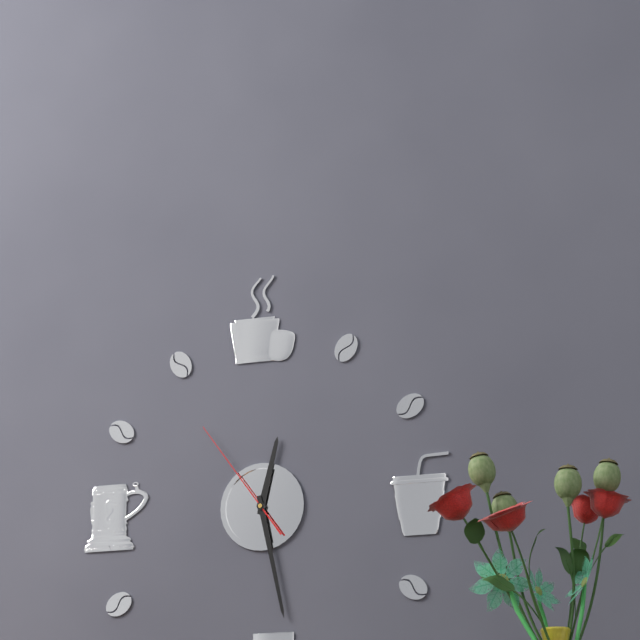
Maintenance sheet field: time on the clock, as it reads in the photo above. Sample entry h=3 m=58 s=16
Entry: h=12 m=28 s=54
